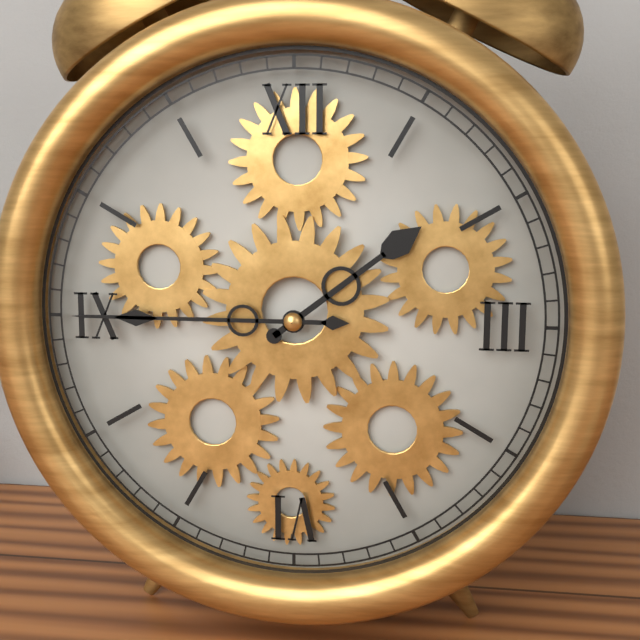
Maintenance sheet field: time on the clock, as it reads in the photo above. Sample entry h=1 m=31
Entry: h=1 m=45
